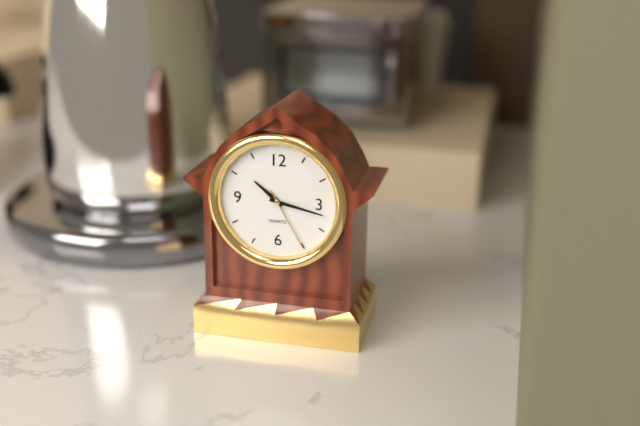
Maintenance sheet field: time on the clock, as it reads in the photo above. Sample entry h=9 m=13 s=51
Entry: h=10 m=17 s=25
